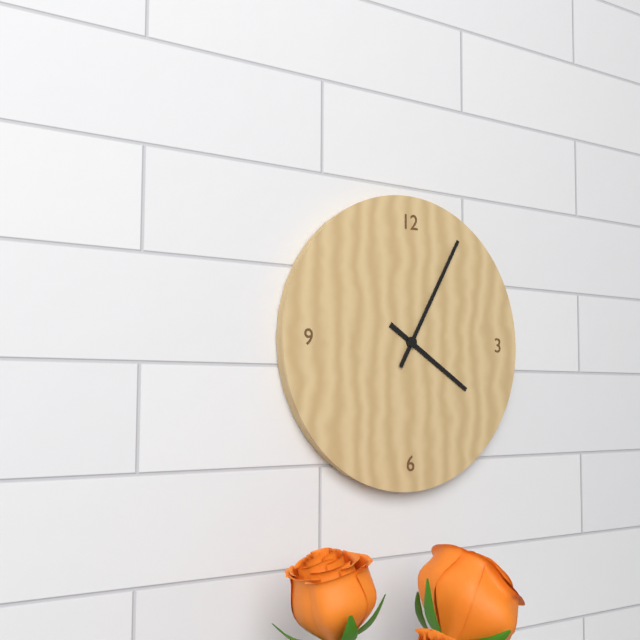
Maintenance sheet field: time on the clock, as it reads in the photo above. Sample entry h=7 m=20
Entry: h=4 m=5
